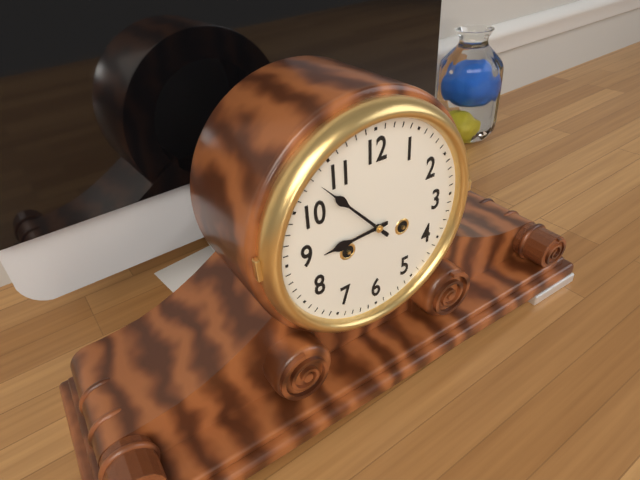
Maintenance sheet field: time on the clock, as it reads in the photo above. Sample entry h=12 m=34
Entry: h=8 m=53
